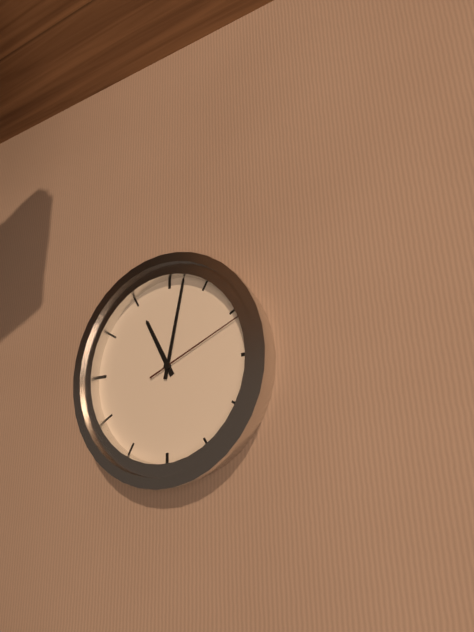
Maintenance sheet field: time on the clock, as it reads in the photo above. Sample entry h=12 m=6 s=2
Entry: h=11 m=2 s=11
